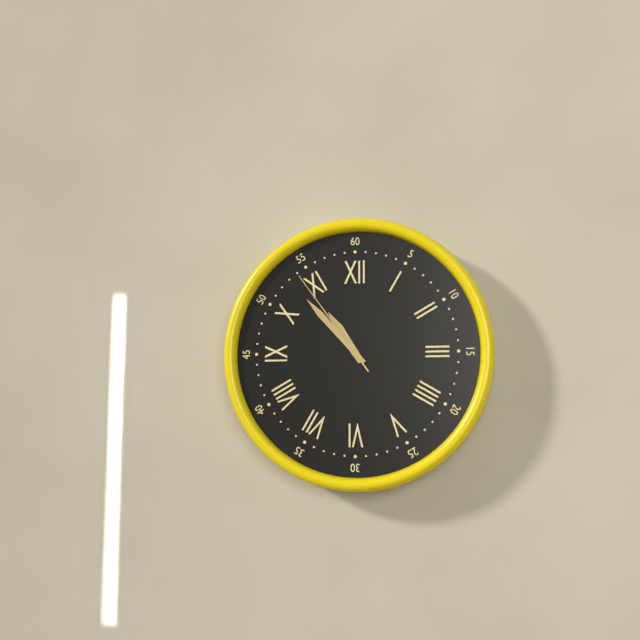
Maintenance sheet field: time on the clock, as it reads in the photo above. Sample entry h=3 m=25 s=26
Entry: h=10 m=53 s=54
